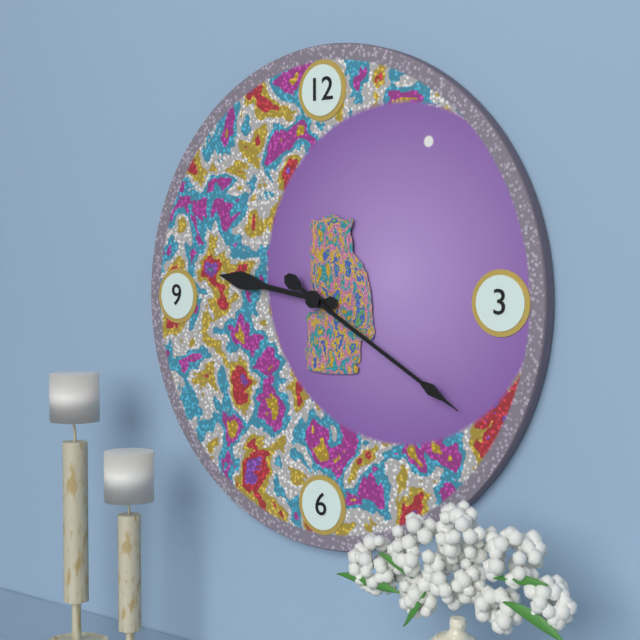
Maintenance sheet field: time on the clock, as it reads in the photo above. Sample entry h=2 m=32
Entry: h=9 m=20
